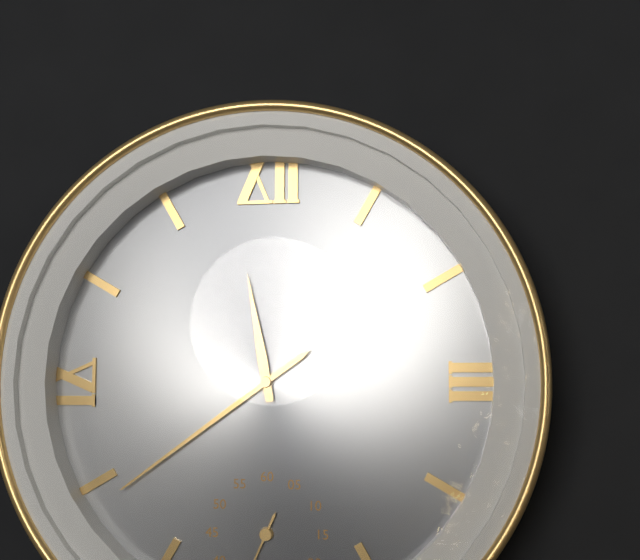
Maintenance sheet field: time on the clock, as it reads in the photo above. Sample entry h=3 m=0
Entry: h=11 m=39
